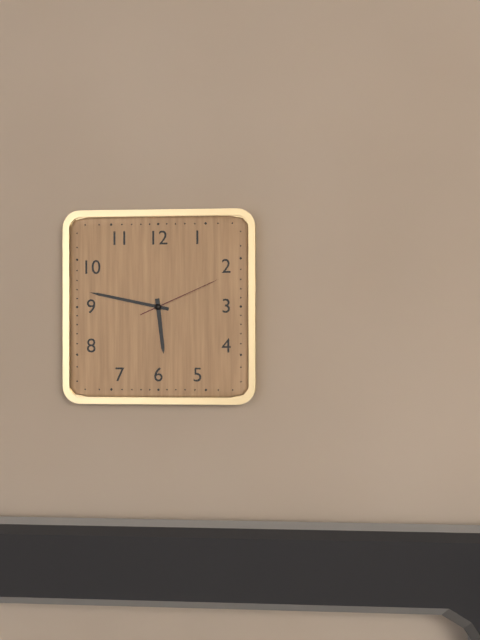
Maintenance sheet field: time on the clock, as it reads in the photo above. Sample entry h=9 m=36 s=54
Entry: h=5 m=47 s=11
